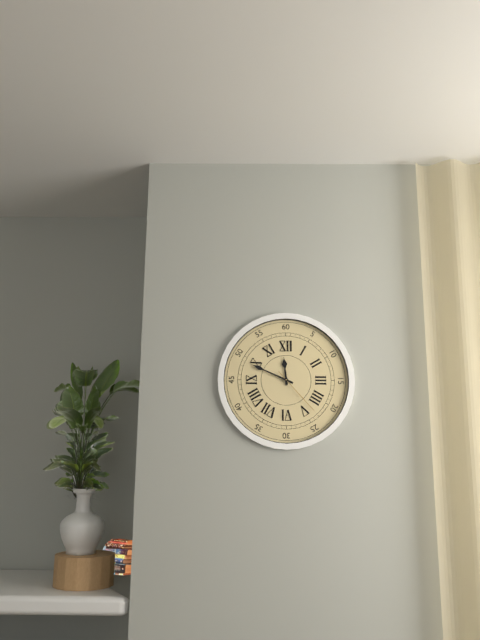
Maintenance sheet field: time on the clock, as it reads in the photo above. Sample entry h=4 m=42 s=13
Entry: h=11 m=49 s=23
